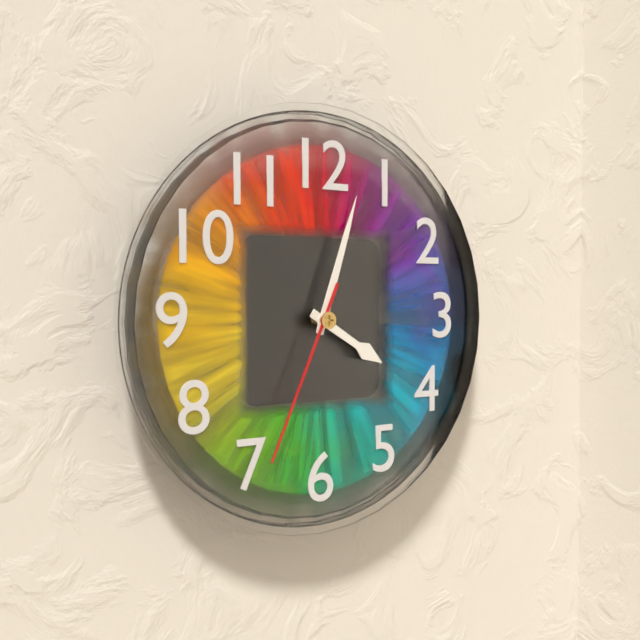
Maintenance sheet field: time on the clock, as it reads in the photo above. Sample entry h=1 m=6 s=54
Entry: h=4 m=3 s=34
